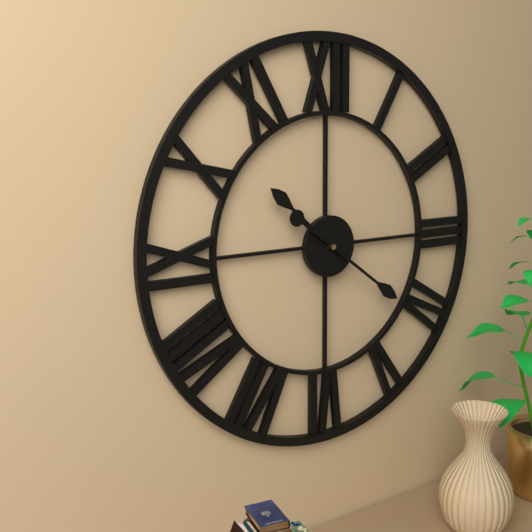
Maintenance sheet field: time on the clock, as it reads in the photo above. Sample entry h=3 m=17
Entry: h=10 m=21
